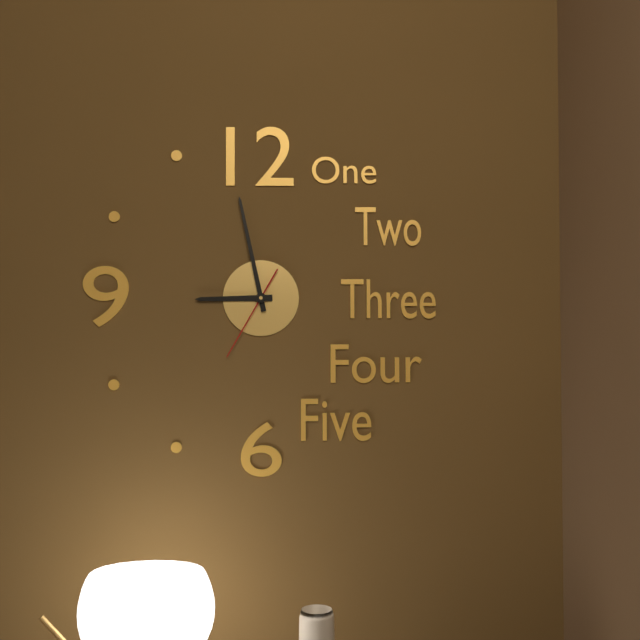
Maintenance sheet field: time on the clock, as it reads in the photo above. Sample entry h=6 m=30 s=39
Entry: h=8 m=58 s=35
